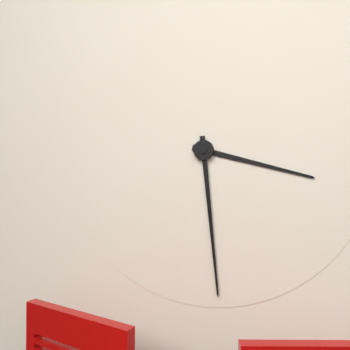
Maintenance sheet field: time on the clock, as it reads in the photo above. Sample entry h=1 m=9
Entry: h=3 m=29
